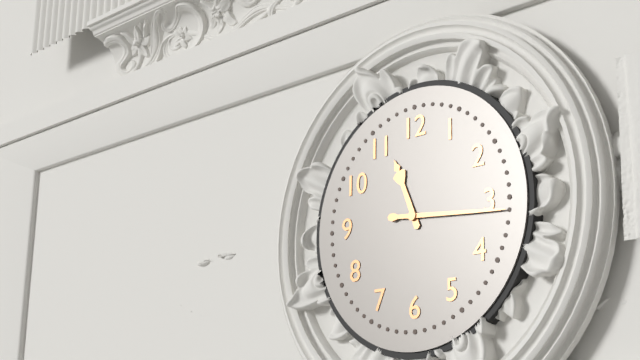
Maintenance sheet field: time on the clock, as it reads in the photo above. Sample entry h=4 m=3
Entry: h=11 m=16
